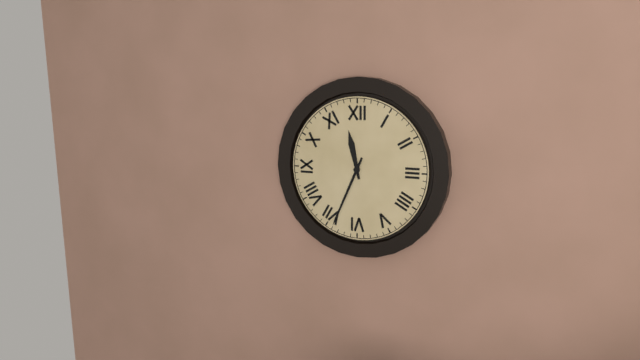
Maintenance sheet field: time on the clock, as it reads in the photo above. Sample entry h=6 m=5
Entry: h=11 m=34
